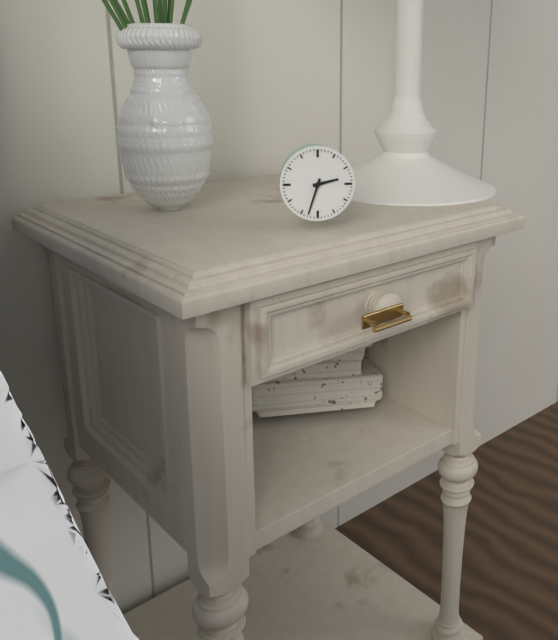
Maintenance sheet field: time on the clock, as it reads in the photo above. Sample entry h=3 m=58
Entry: h=2 m=33
